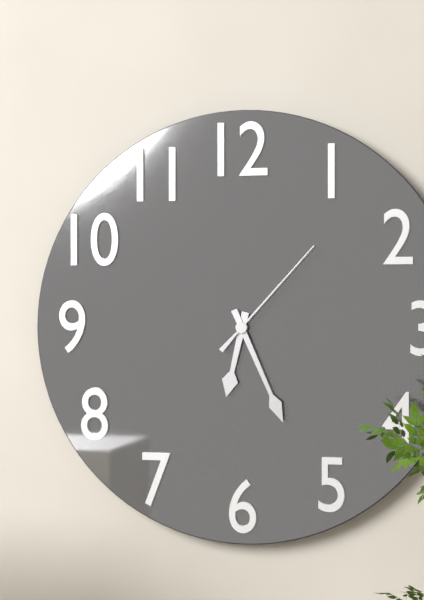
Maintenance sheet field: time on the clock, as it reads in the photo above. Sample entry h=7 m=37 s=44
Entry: h=6 m=26 s=7
